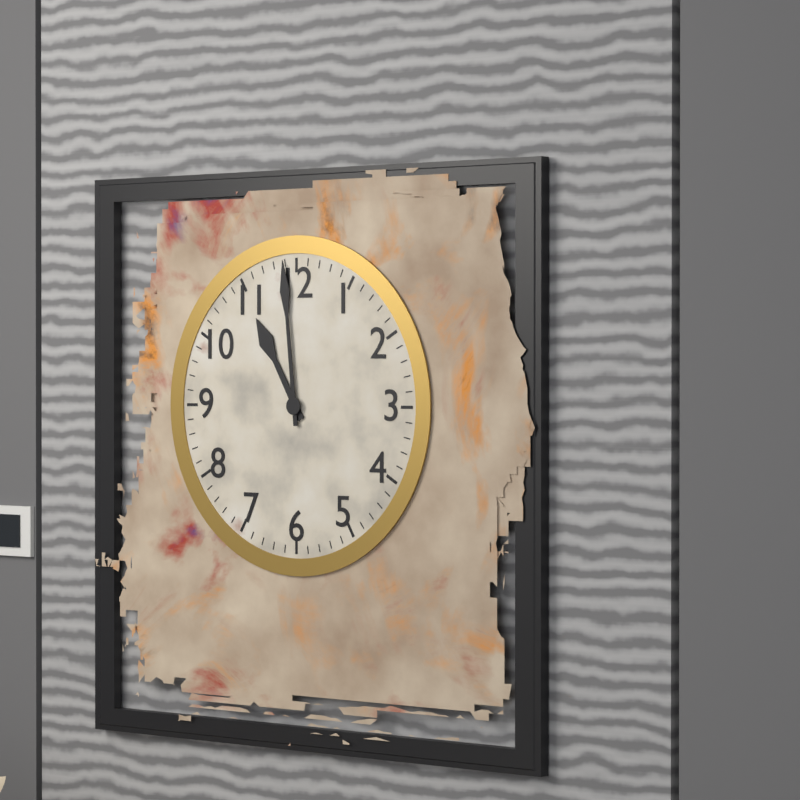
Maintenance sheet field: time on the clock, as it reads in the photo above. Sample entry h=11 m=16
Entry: h=10 m=59
